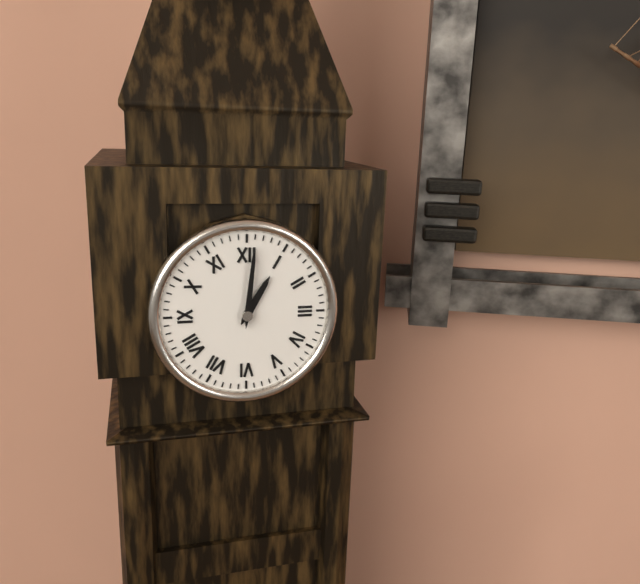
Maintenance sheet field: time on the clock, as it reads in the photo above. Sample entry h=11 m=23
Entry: h=1 m=1
